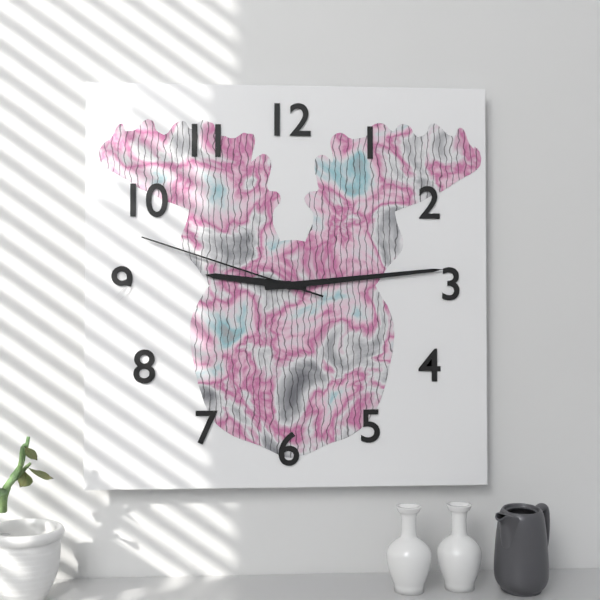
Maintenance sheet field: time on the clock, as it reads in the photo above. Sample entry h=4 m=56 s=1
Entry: h=9 m=14 s=48
